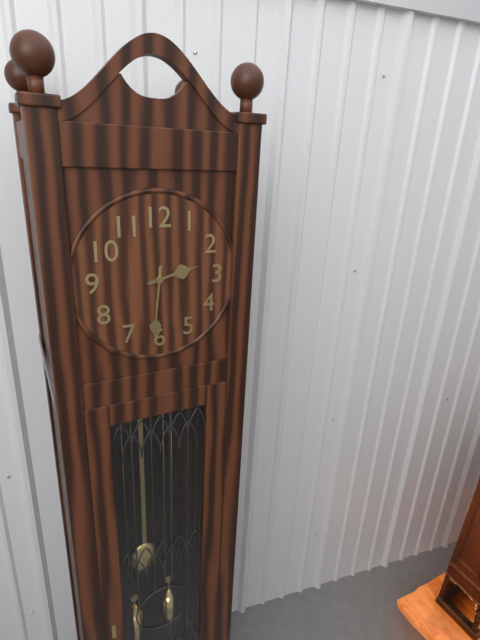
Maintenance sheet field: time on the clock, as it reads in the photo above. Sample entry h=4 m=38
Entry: h=2 m=31
